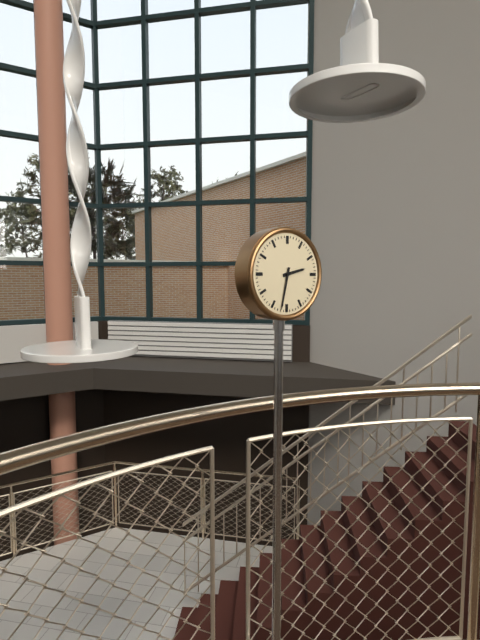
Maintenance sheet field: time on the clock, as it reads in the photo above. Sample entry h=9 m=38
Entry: h=2 m=32
